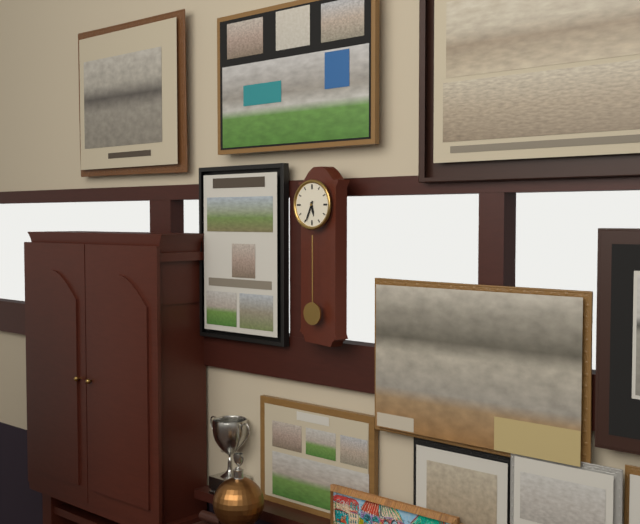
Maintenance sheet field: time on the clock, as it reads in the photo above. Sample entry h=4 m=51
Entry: h=5 m=34
